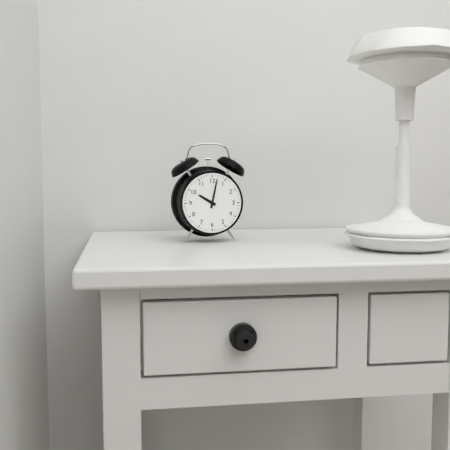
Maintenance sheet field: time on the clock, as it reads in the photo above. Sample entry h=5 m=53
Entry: h=10 m=2
